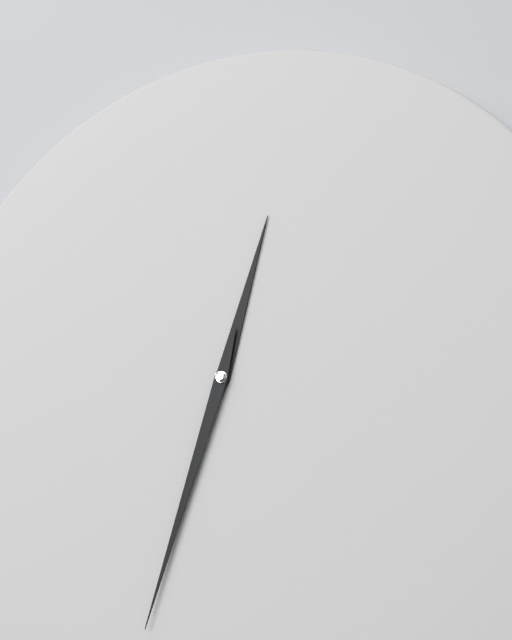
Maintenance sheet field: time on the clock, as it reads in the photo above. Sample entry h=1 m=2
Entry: h=12 m=33
